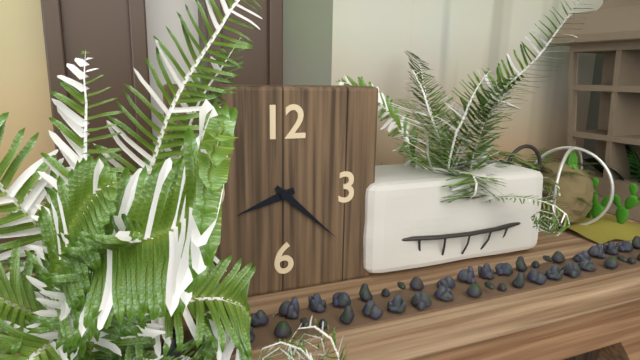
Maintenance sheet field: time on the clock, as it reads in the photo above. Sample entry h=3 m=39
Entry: h=8 m=22
